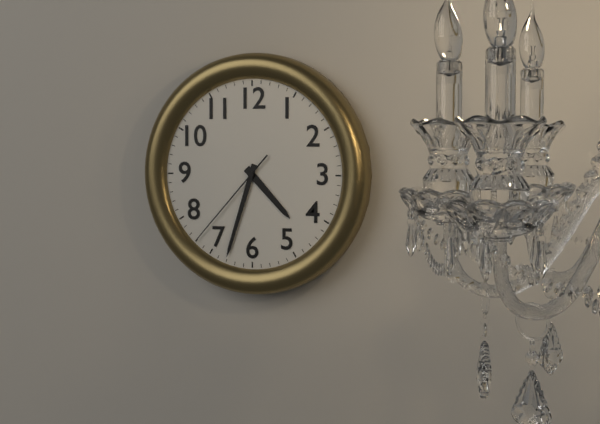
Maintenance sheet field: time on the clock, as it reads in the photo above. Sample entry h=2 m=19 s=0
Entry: h=4 m=33 s=37
